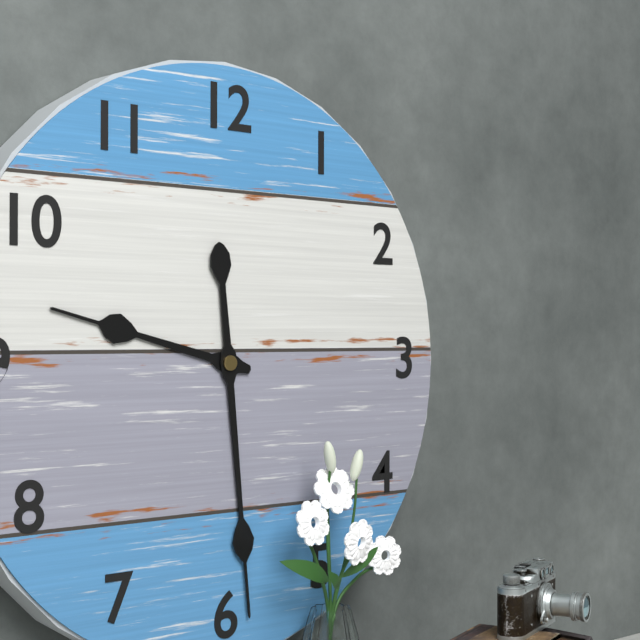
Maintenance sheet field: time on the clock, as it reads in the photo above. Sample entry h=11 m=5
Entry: h=9 m=29
